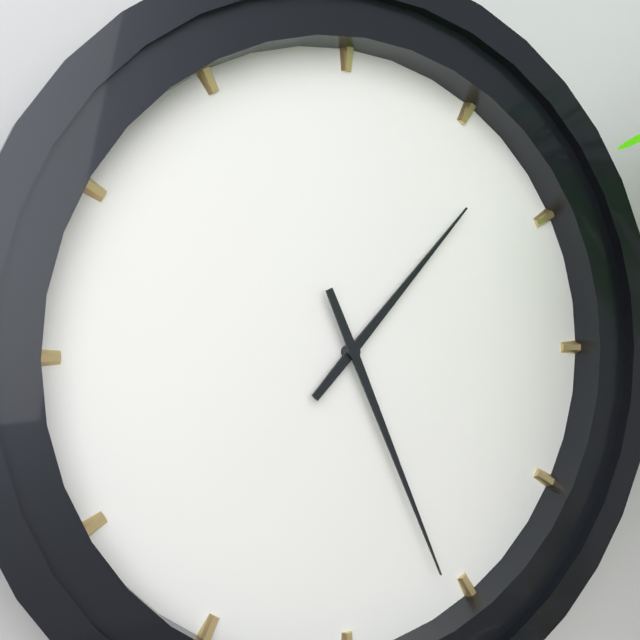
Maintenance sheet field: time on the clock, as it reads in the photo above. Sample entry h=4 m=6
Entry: h=1 m=26
